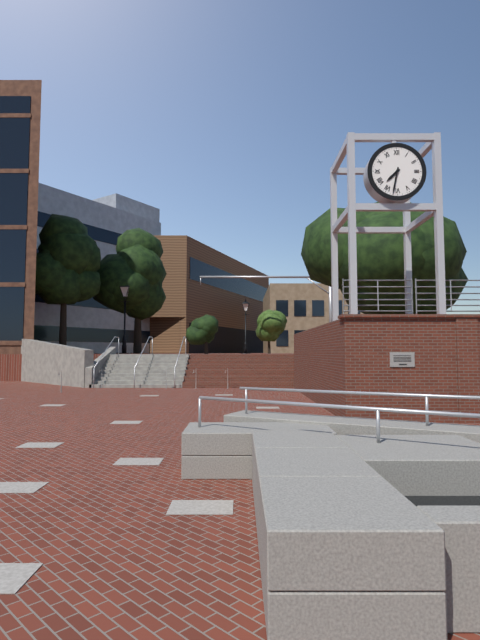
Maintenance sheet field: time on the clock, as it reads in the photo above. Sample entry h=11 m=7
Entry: h=7 m=32
